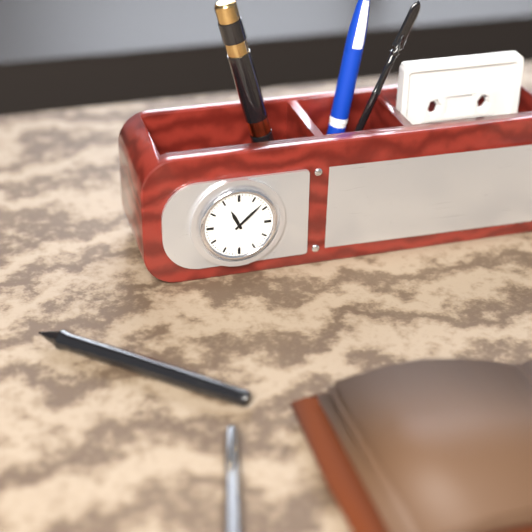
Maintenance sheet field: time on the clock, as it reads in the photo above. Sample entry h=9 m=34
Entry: h=11 m=8
